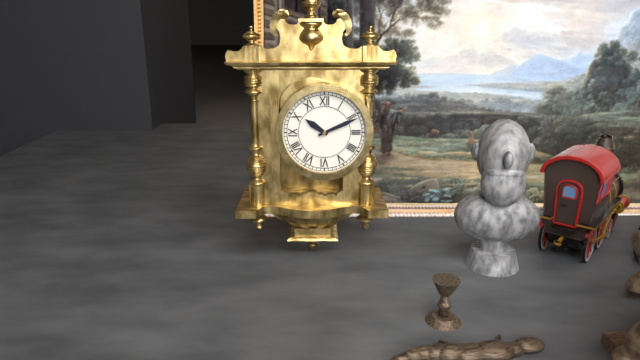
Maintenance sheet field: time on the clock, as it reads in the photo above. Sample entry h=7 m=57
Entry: h=10 m=11
